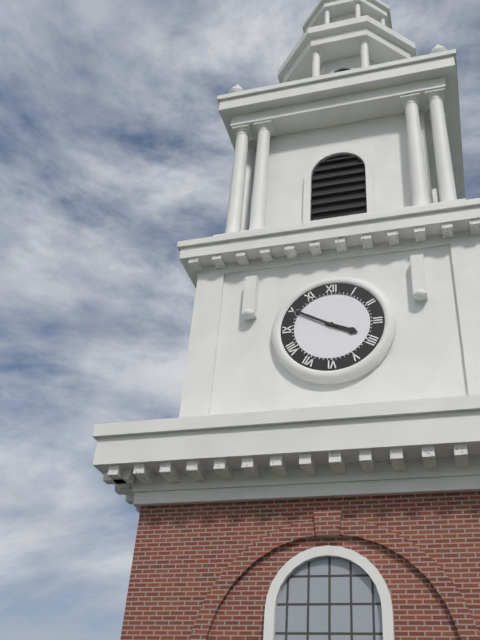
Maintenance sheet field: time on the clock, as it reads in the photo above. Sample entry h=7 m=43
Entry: h=3 m=50
